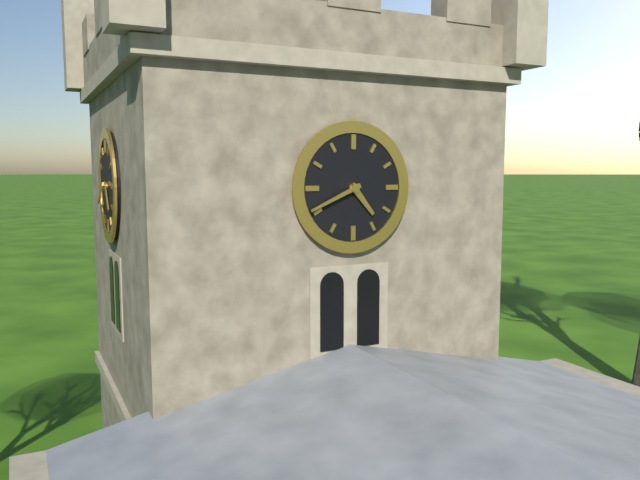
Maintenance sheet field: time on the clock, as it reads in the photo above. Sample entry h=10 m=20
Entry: h=4 m=41
